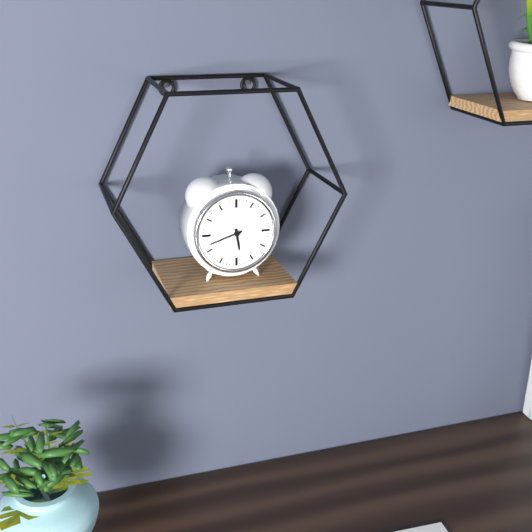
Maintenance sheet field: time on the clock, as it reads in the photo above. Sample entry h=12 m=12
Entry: h=5 m=42
